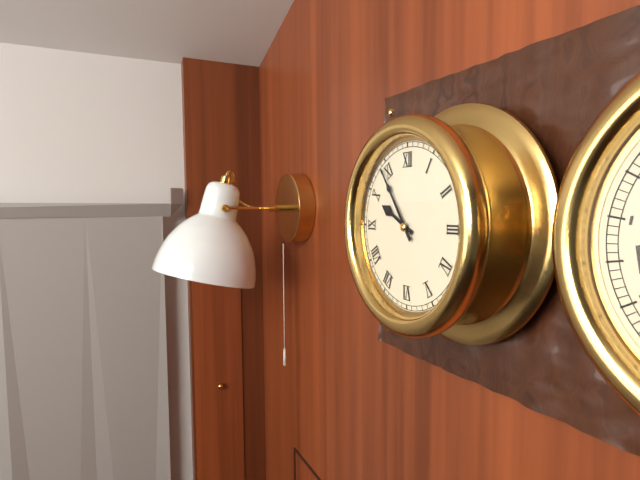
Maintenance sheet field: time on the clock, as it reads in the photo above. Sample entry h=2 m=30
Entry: h=9 m=54
